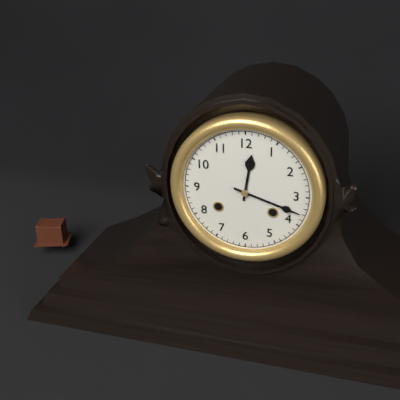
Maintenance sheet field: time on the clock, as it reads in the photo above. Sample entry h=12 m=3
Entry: h=12 m=18
